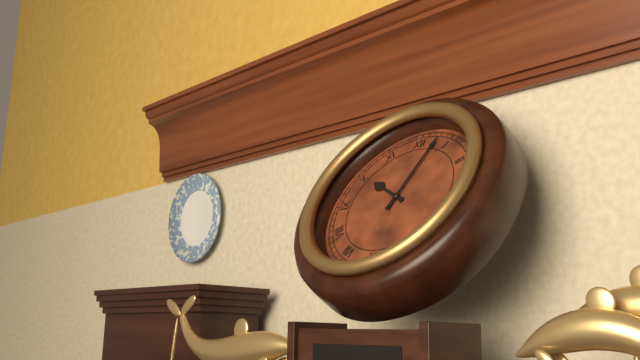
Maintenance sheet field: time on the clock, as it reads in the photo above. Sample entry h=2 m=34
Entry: h=10 m=3
